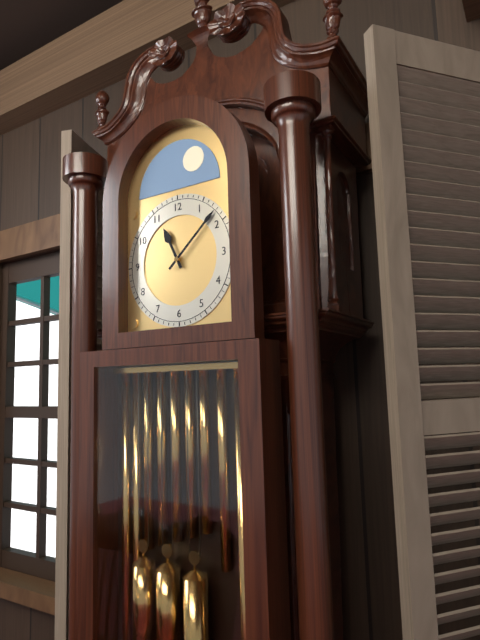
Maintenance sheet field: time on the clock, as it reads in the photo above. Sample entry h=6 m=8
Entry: h=11 m=8
